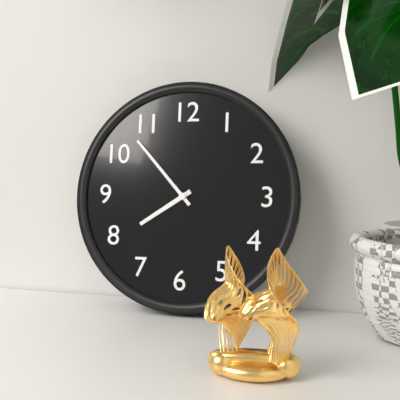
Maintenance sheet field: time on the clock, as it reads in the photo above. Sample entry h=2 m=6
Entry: h=7 m=53
